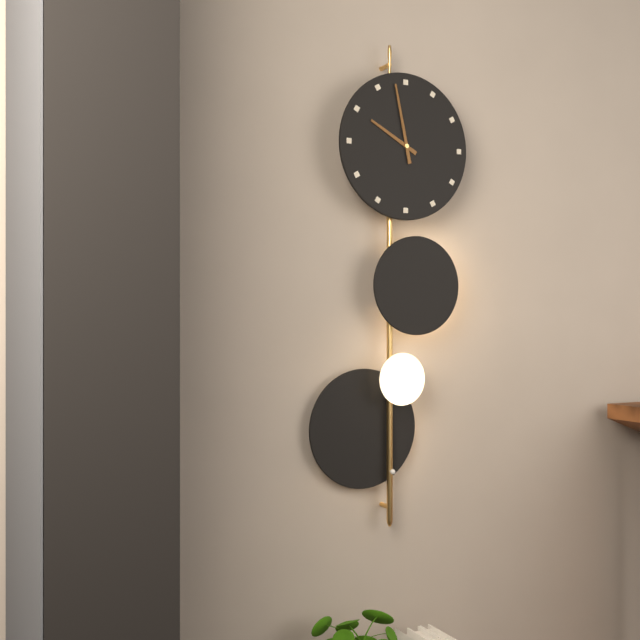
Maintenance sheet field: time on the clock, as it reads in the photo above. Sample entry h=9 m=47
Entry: h=9 m=58
